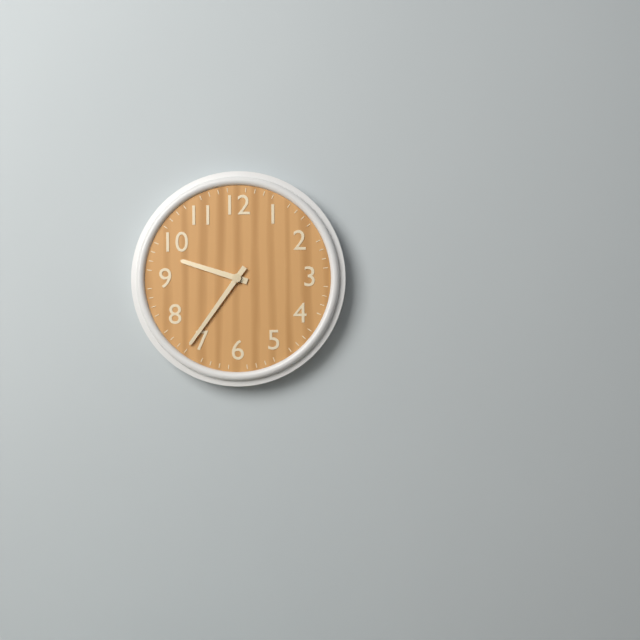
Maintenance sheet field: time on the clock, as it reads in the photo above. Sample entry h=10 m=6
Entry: h=9 m=36
